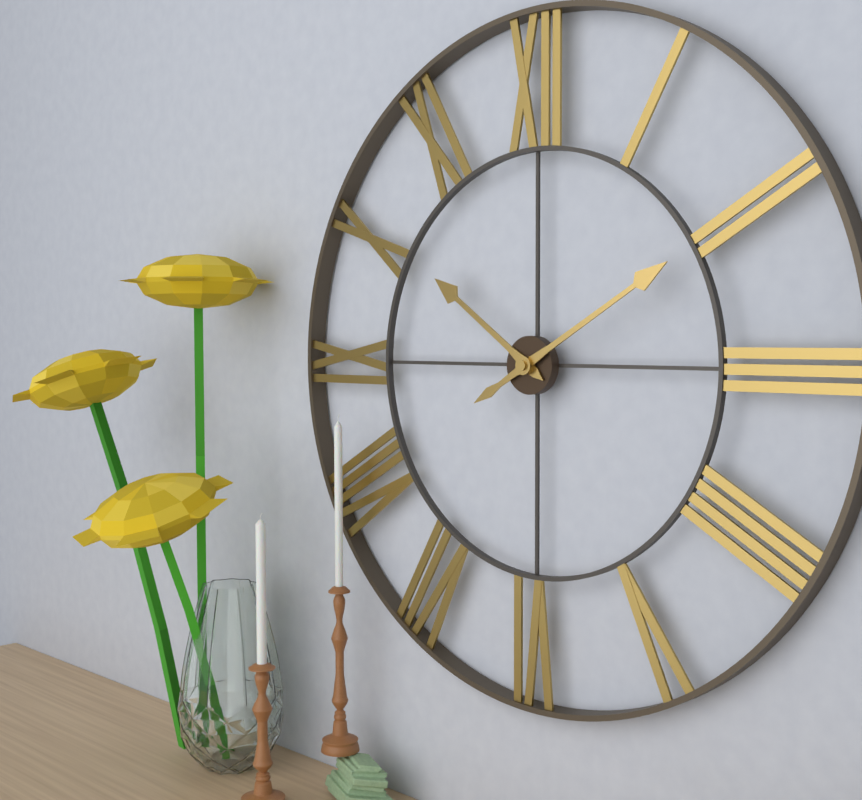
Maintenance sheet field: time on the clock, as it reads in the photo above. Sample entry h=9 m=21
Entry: h=10 m=10
